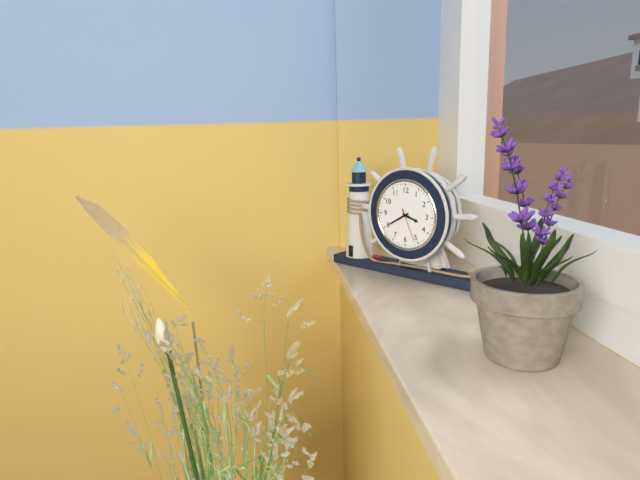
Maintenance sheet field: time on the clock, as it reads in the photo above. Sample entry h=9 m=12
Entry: h=3 m=40
